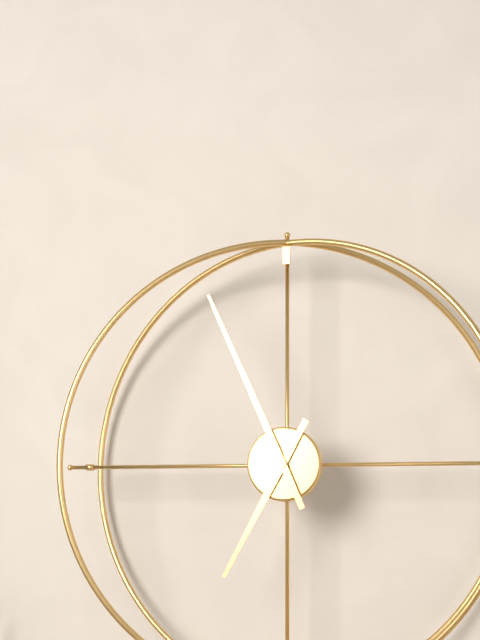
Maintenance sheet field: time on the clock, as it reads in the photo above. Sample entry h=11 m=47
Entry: h=6 m=56
